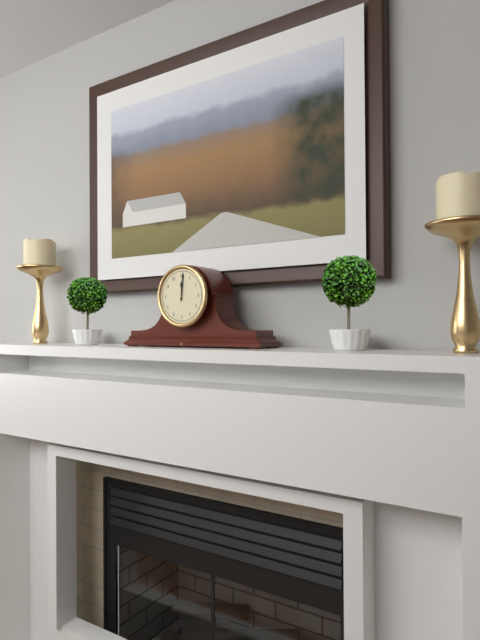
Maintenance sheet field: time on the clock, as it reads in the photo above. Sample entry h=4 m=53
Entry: h=12 m=1
